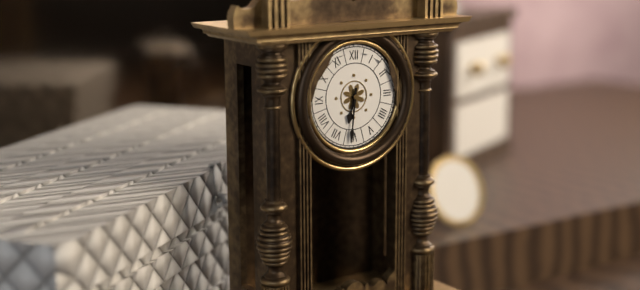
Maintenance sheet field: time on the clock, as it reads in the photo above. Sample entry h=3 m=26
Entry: h=6 m=31
